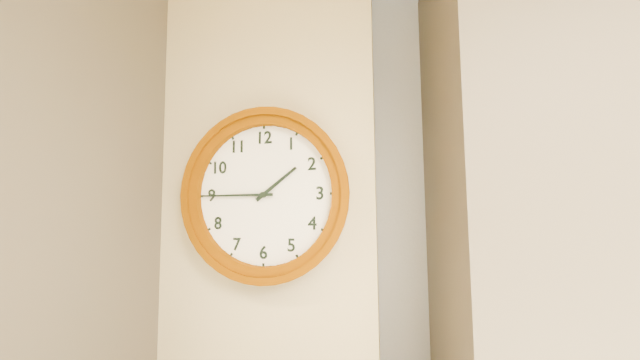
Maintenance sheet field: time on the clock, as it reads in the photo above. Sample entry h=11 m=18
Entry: h=1 m=45
